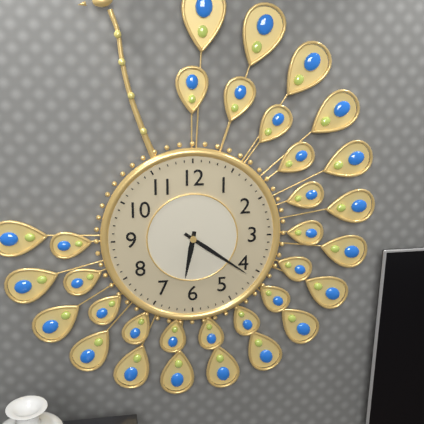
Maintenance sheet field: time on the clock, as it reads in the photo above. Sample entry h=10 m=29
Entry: h=6 m=21
